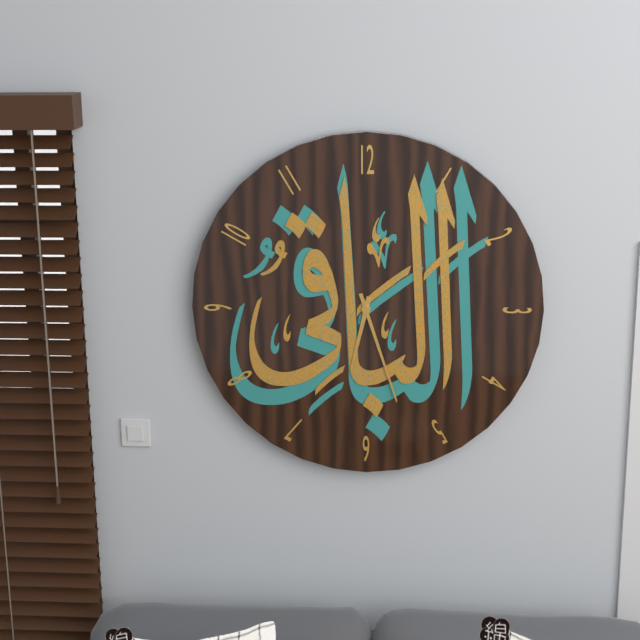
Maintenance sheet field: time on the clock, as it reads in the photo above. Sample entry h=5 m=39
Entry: h=6 m=27
